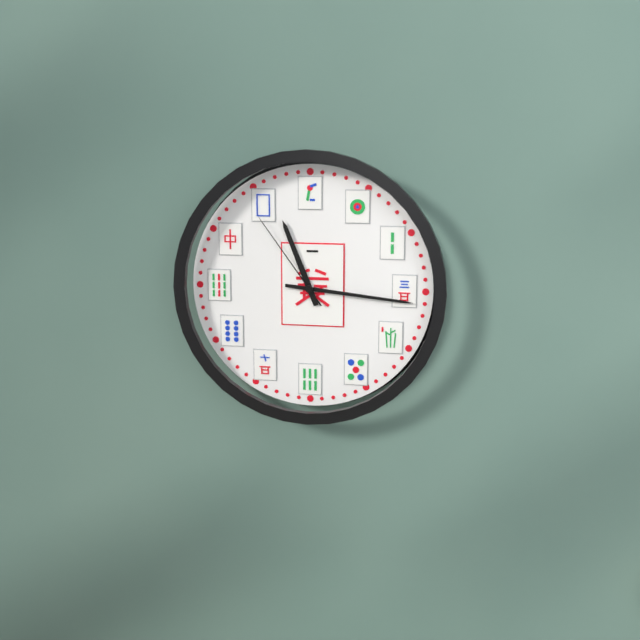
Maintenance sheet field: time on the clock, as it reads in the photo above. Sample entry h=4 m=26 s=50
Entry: h=11 m=16 s=54
